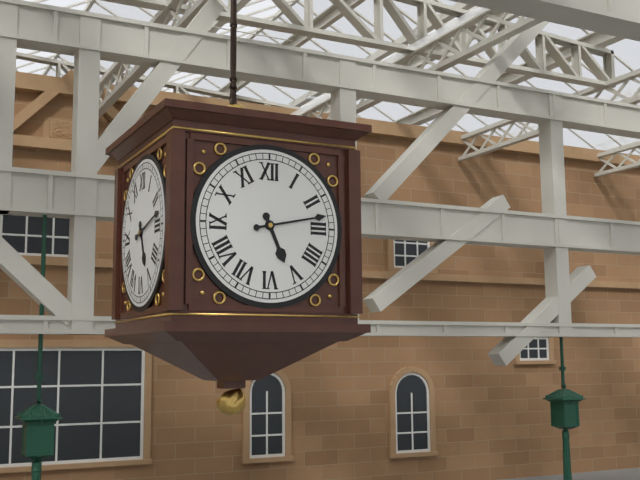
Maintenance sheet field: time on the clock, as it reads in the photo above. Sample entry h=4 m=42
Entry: h=5 m=13
